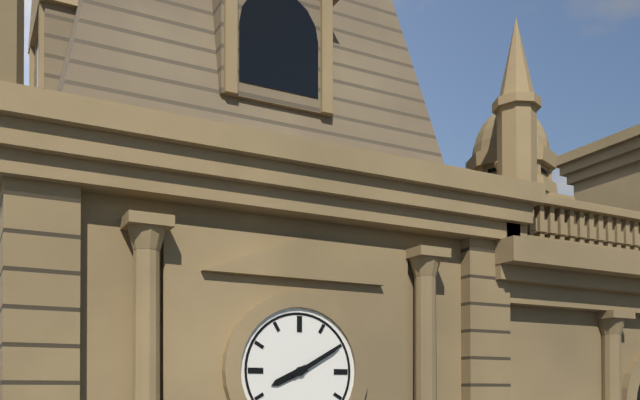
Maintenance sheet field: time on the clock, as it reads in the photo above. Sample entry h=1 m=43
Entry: h=8 m=10
